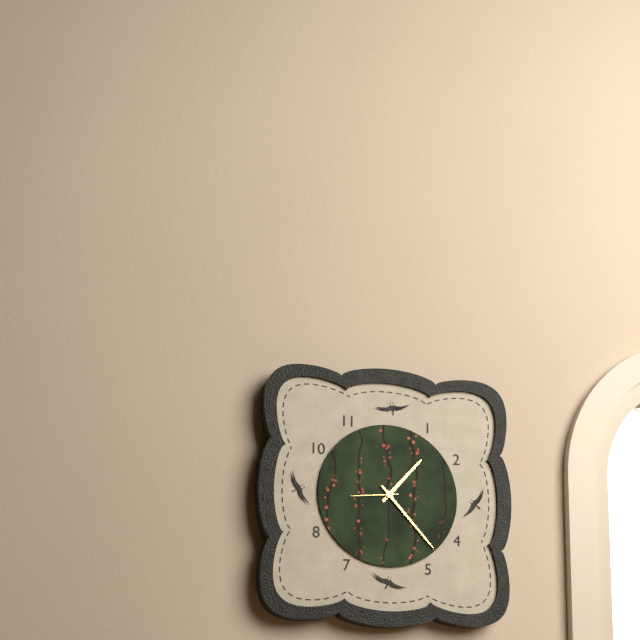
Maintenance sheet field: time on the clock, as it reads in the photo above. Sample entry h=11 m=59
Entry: h=1 m=23
